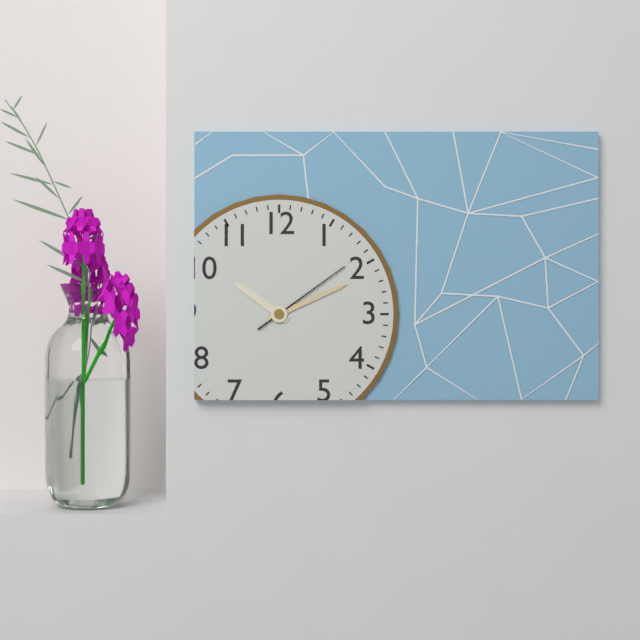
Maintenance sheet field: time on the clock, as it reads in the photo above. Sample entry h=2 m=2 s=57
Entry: h=10 m=11 s=9
